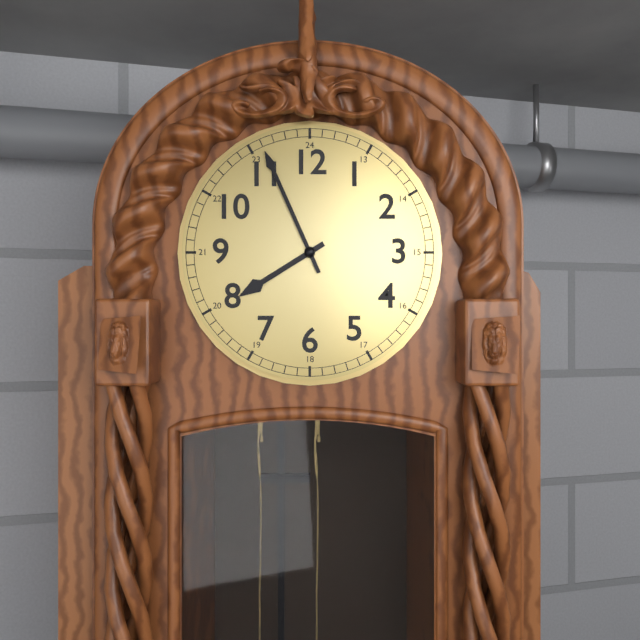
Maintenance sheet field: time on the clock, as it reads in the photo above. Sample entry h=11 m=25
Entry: h=7 m=56
